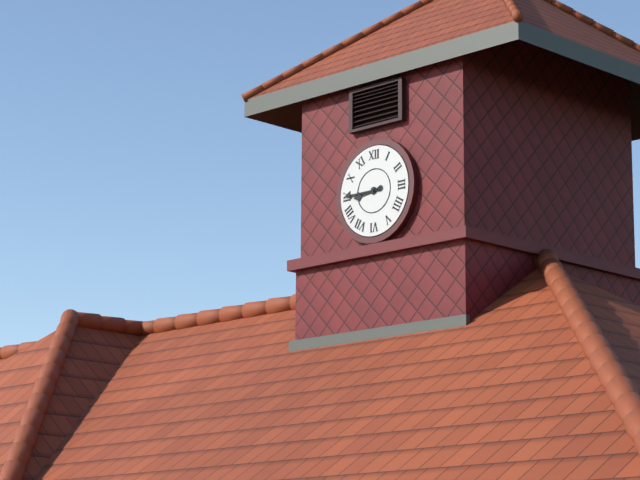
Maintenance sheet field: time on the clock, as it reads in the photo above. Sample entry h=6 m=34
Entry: h=8 m=45
